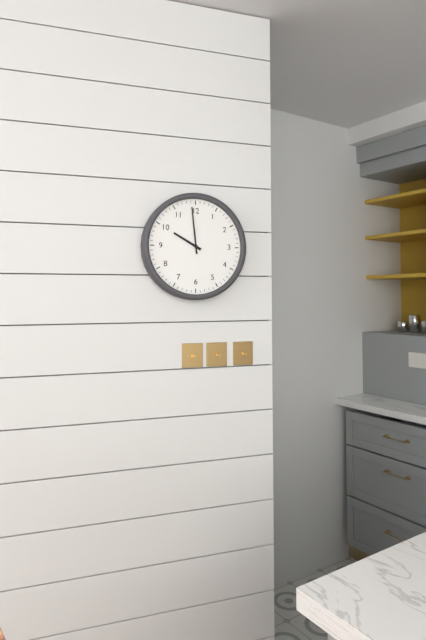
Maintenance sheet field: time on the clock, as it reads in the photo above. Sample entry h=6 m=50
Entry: h=9 m=59
